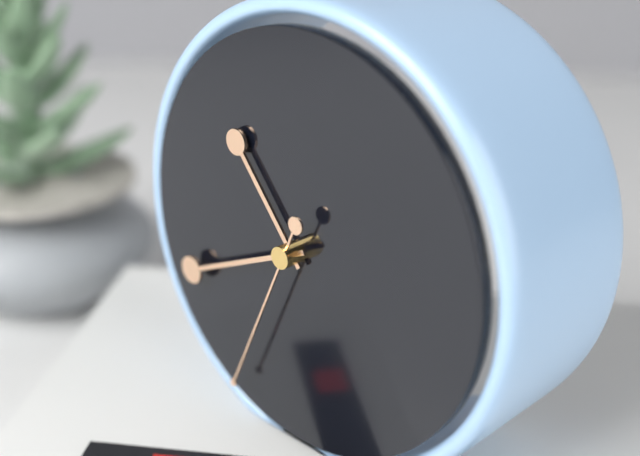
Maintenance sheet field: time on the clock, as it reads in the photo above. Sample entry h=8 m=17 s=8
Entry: h=10 m=41 s=34
